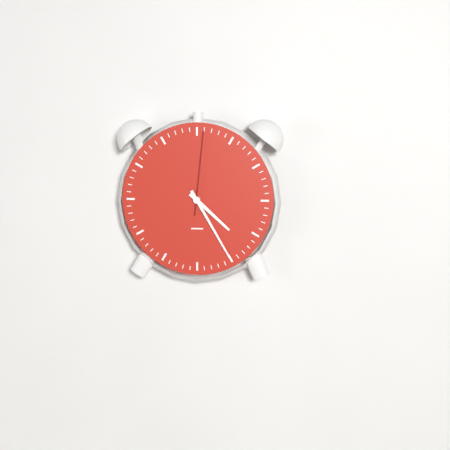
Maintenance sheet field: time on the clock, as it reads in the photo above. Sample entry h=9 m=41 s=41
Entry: h=4 m=25 s=1
